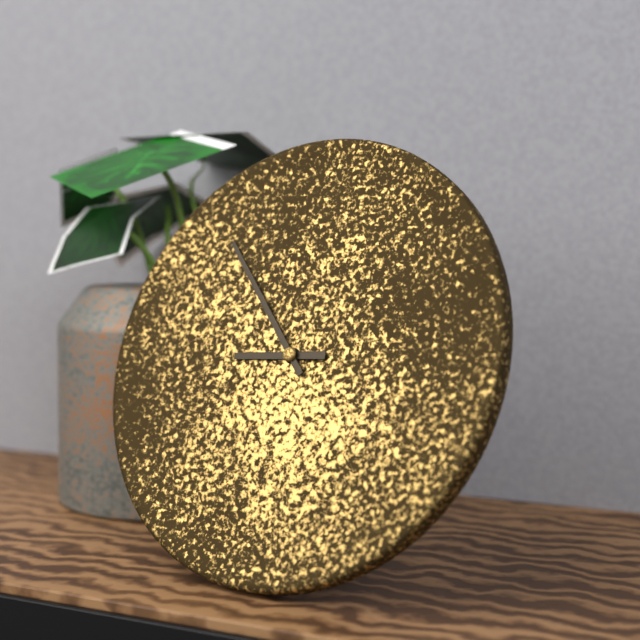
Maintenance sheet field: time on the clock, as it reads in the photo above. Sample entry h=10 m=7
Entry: h=8 m=53
